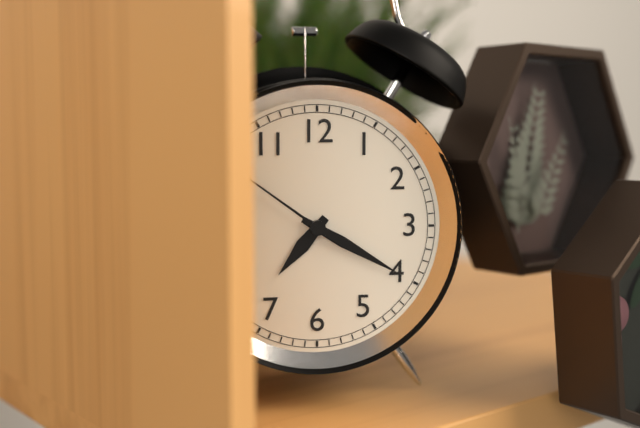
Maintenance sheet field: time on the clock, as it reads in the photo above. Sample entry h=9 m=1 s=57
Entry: h=7 m=20 s=51
